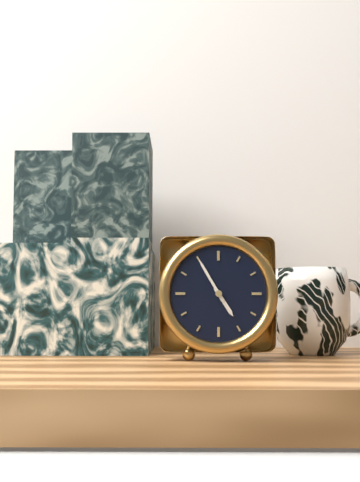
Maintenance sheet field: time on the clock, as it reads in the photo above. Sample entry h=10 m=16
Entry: h=4 m=55
